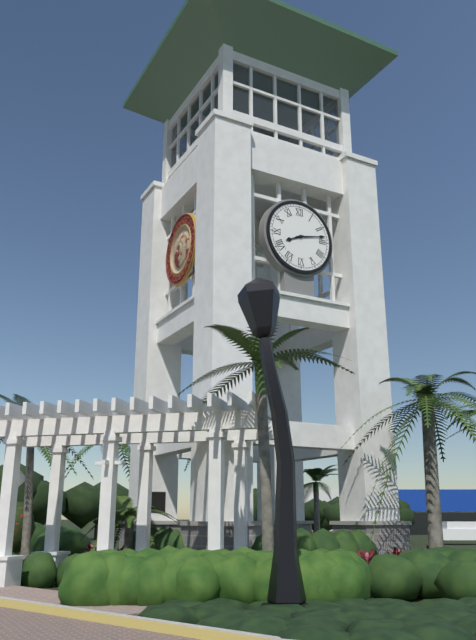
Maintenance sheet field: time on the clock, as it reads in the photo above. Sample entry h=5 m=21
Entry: h=8 m=13
